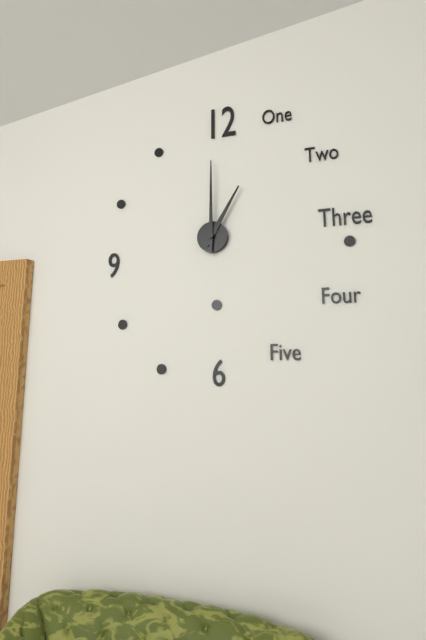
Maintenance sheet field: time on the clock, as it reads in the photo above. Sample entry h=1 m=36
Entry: h=1 m=0
